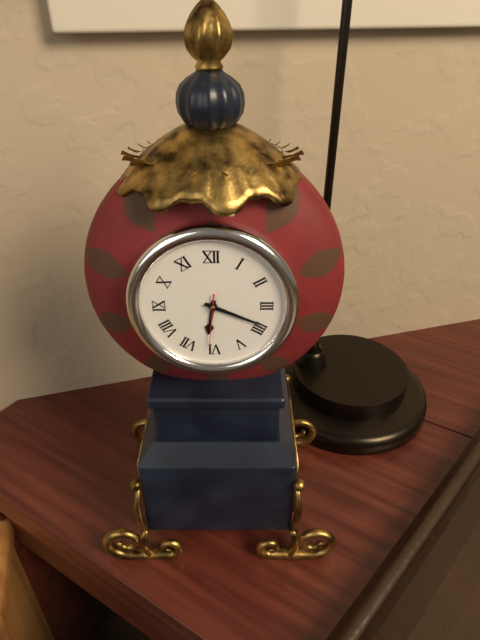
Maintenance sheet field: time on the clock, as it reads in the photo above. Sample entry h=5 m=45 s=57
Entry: h=6 m=19 s=31
